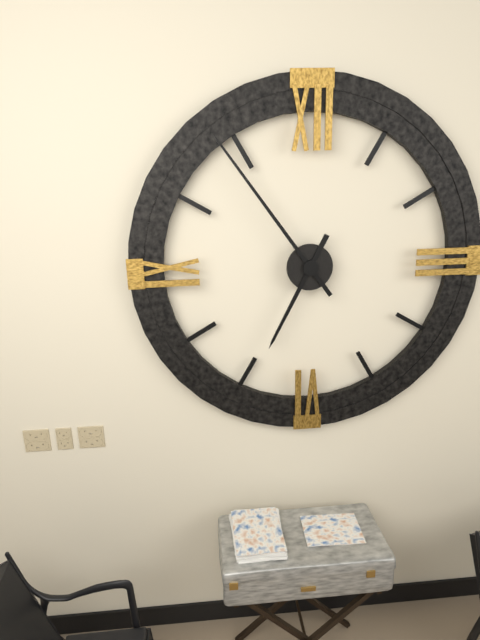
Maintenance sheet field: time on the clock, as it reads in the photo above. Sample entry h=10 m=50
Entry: h=6 m=54
